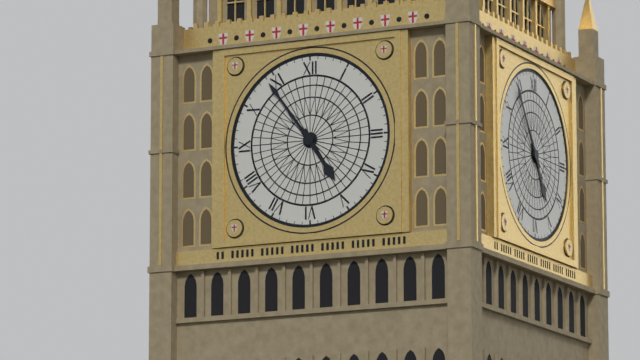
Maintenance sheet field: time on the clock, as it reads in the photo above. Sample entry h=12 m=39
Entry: h=4 m=54
